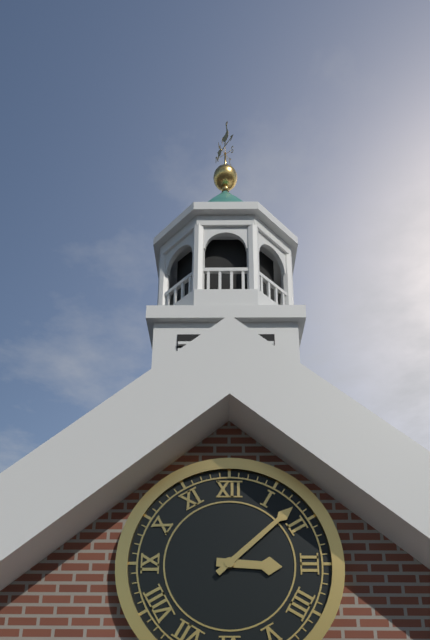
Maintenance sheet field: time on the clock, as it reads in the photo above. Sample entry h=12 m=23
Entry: h=3 m=8
